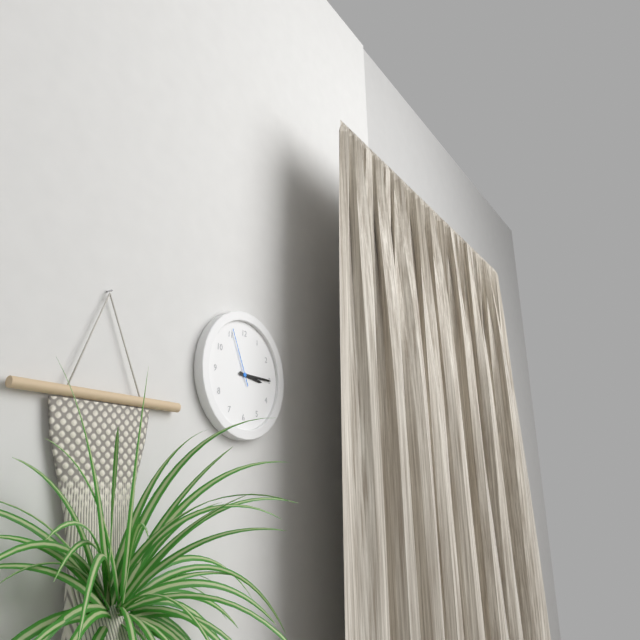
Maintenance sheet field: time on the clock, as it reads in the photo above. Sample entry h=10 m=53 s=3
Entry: h=3 m=15 s=56
